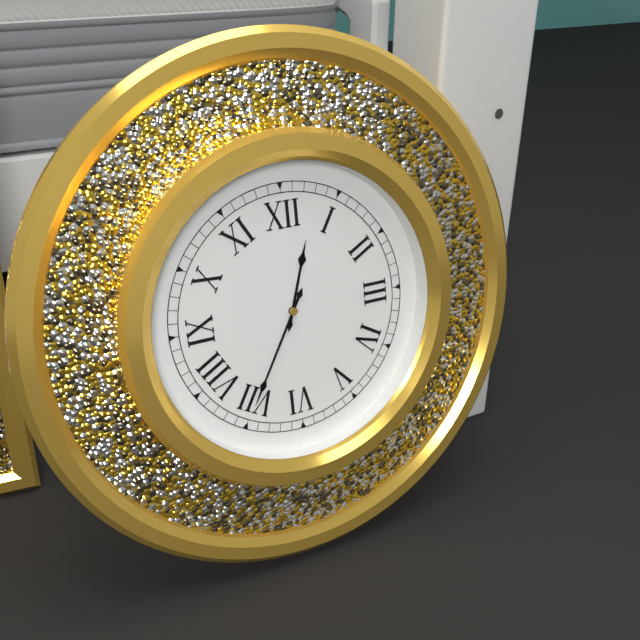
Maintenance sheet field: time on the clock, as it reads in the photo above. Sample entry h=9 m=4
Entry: h=12 m=35
